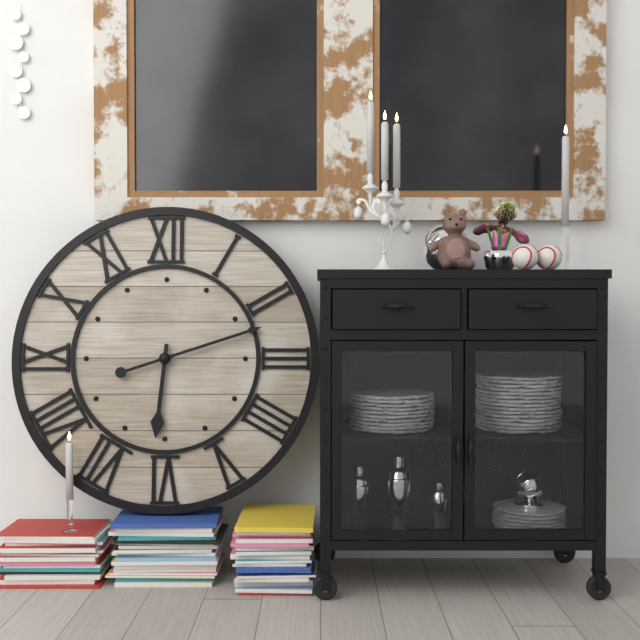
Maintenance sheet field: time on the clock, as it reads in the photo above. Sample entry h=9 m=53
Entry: h=6 m=12
